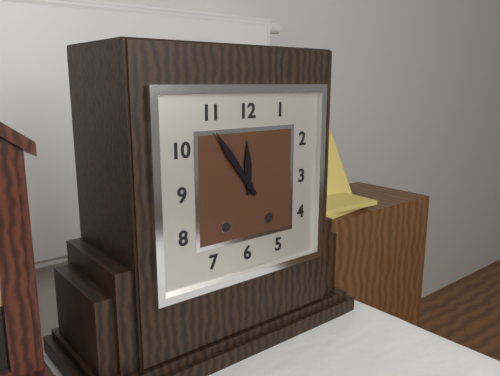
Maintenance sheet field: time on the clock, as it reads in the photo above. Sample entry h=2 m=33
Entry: h=11 m=54
